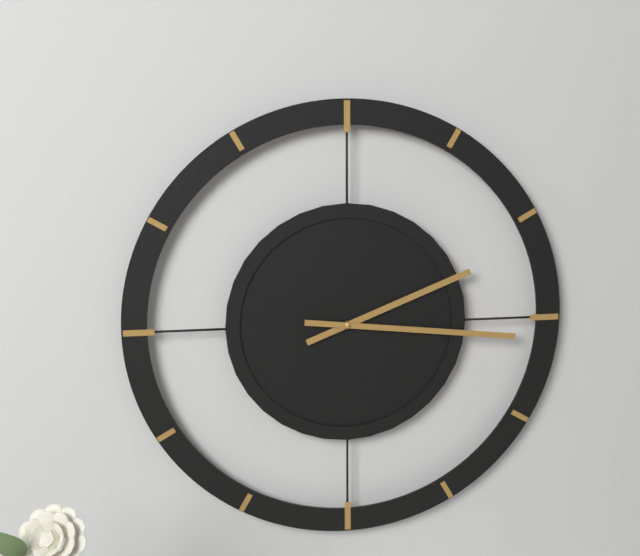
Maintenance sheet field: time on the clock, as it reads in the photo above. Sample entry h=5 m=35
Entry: h=2 m=16
